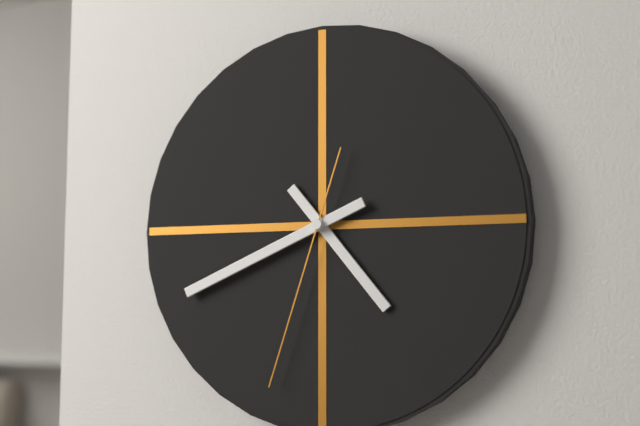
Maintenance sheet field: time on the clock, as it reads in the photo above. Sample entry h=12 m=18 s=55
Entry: h=4 m=41 s=33
